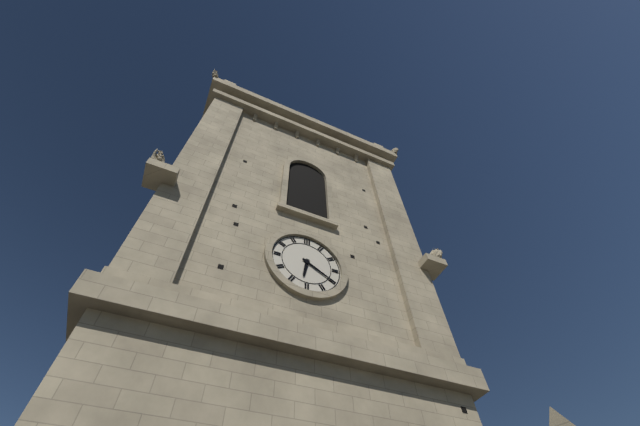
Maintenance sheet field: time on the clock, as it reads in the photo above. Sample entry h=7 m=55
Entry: h=6 m=20
